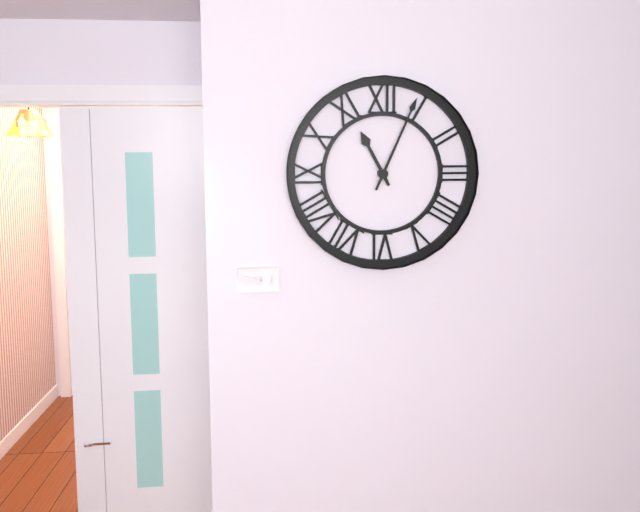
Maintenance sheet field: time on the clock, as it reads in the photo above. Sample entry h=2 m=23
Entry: h=11 m=4
